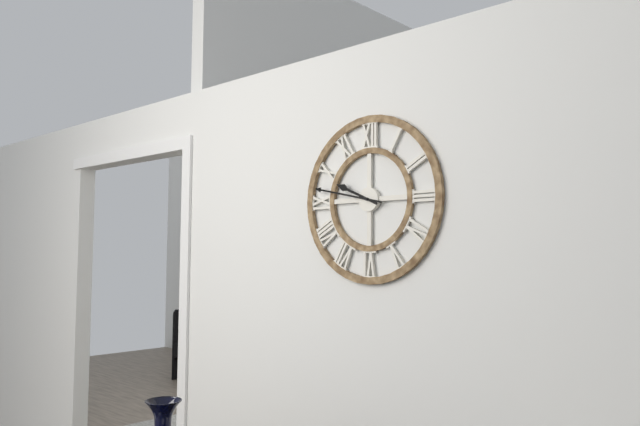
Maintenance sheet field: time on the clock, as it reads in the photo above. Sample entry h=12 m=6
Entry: h=9 m=47
